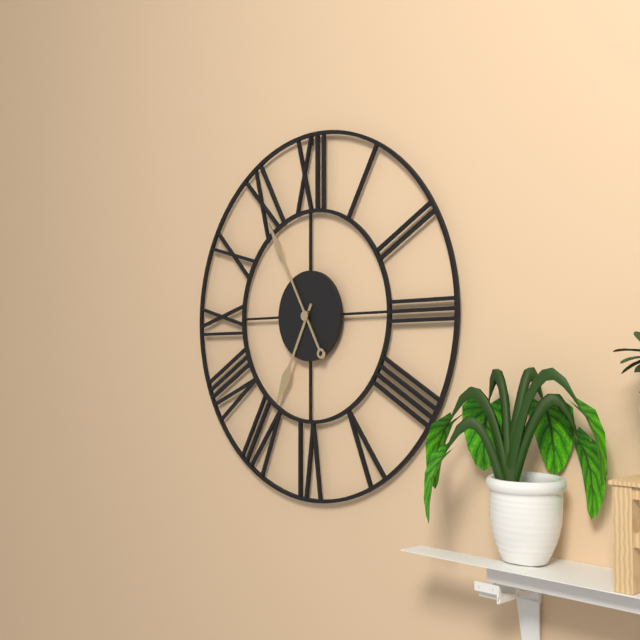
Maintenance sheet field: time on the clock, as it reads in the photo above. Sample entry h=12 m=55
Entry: h=6 m=55
